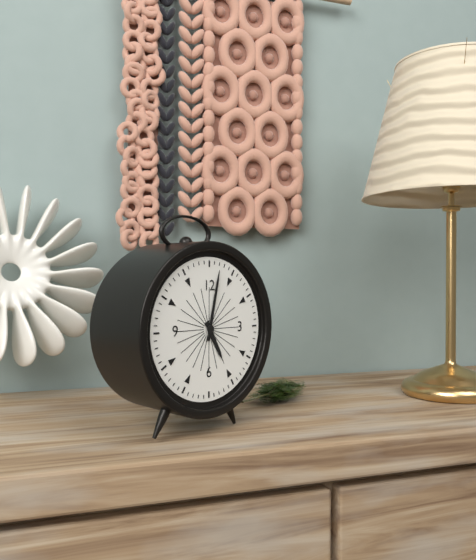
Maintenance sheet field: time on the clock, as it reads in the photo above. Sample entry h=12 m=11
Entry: h=5 m=2
